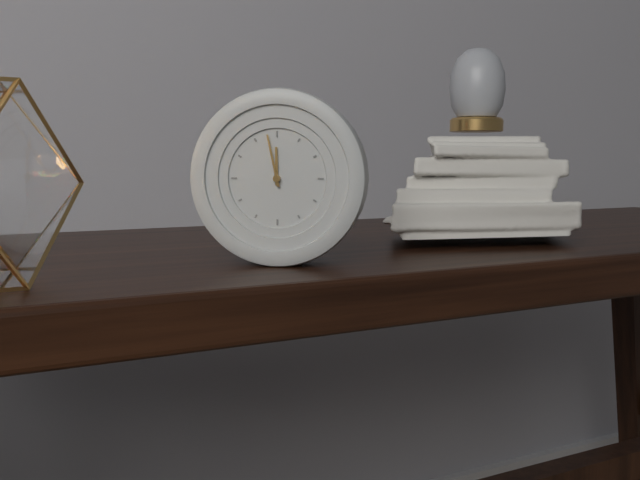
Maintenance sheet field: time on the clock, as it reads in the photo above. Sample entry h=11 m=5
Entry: h=11 m=58
